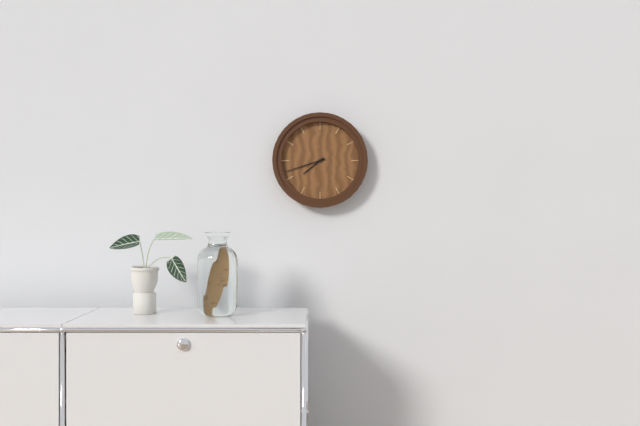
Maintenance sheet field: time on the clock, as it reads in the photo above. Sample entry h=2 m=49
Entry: h=7 m=42
